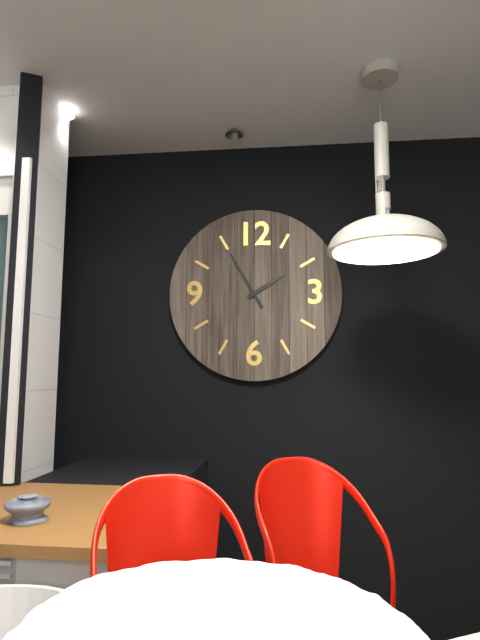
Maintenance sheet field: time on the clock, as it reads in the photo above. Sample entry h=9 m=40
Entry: h=1 m=55
